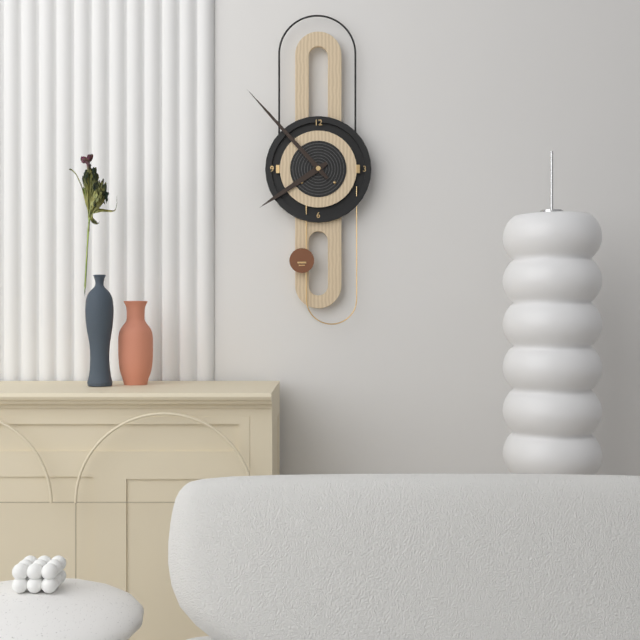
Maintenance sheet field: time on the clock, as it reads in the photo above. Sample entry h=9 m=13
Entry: h=7 m=53
